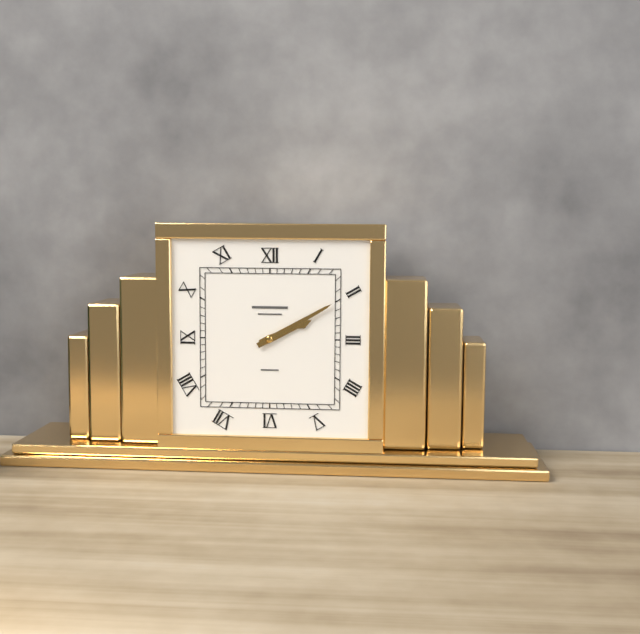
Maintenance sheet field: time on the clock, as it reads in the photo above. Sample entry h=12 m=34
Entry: h=2 m=10
